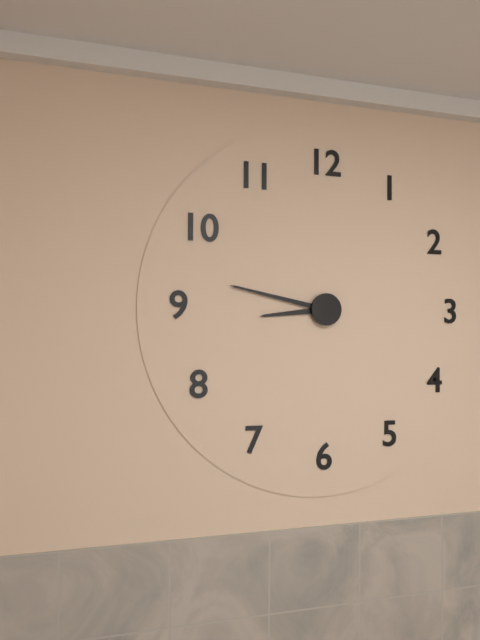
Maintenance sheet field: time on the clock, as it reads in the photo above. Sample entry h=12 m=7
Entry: h=8 m=47
